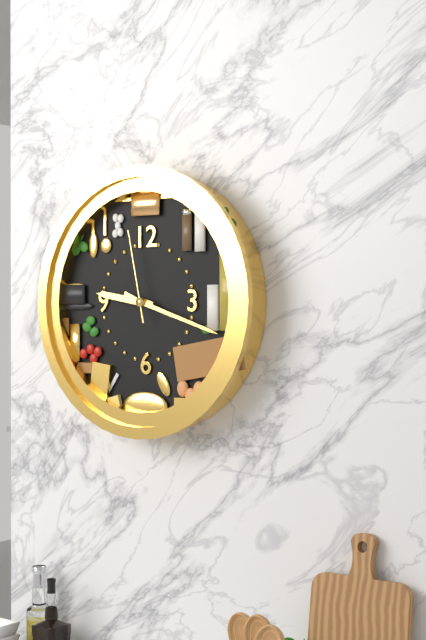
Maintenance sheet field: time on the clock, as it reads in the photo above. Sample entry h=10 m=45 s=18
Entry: h=9 m=18 s=58
